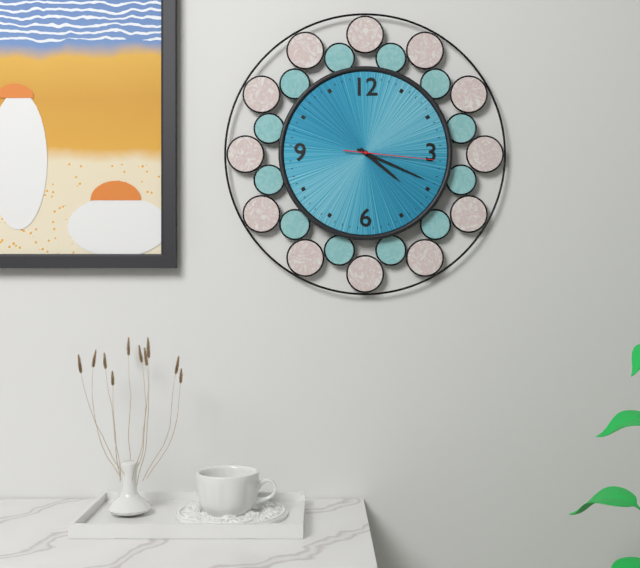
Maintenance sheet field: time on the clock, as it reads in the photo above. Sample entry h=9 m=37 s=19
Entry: h=4 m=19 s=16
